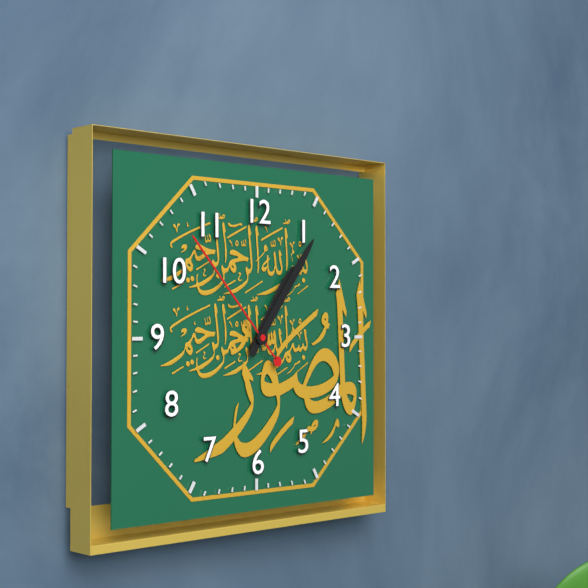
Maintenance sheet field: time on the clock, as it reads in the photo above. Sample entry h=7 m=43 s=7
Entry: h=1 m=6 s=53
